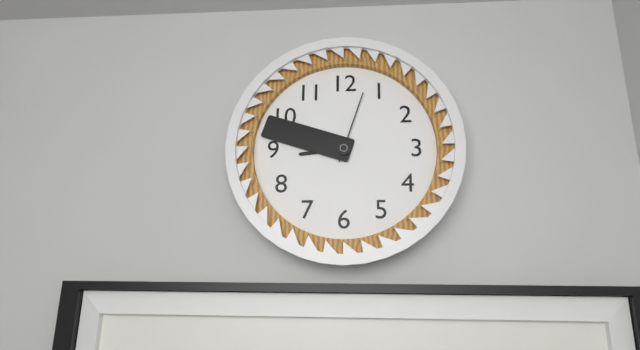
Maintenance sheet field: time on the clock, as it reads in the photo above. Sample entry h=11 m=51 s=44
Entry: h=8 m=48 s=3
